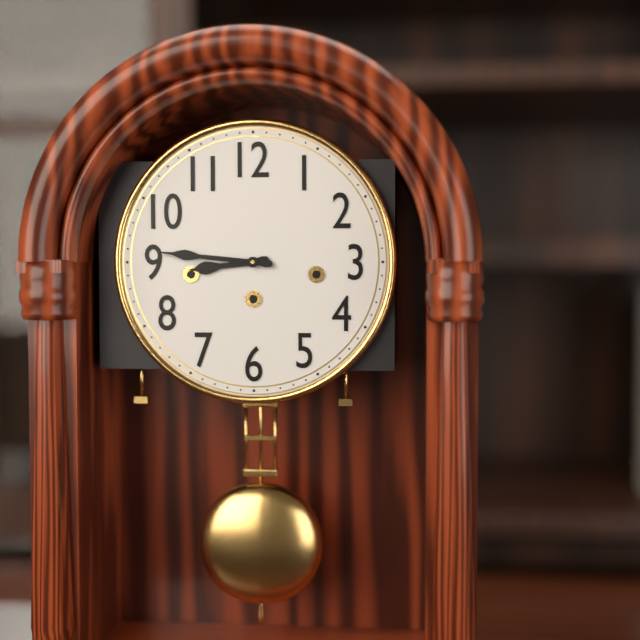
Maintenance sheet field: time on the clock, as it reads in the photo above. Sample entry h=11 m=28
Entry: h=8 m=46
